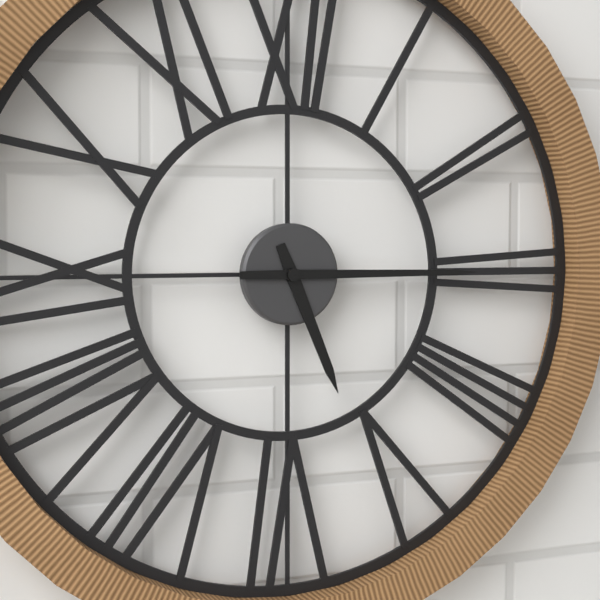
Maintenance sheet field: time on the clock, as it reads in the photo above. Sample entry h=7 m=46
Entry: h=5 m=15
